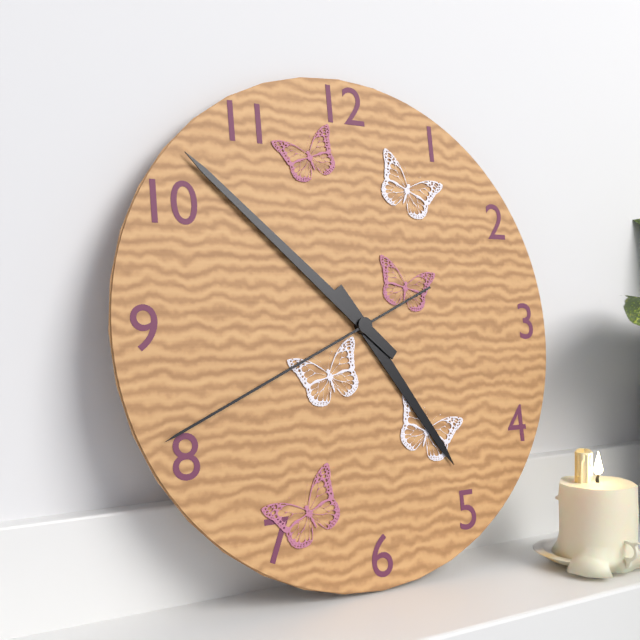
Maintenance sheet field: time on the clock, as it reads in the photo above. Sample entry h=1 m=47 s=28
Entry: h=4 m=52 s=41
